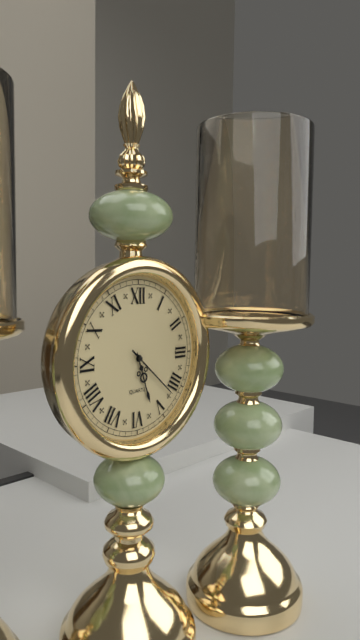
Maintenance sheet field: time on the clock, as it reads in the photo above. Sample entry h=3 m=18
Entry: h=5 m=22
